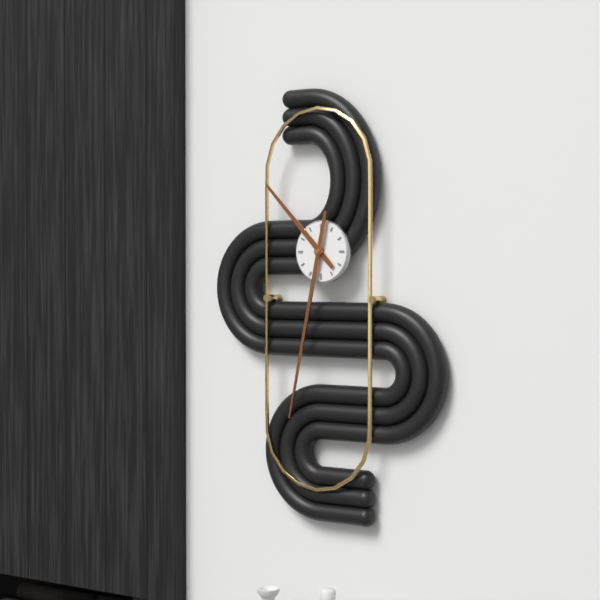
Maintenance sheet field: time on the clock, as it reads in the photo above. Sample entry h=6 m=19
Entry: h=10 m=32
